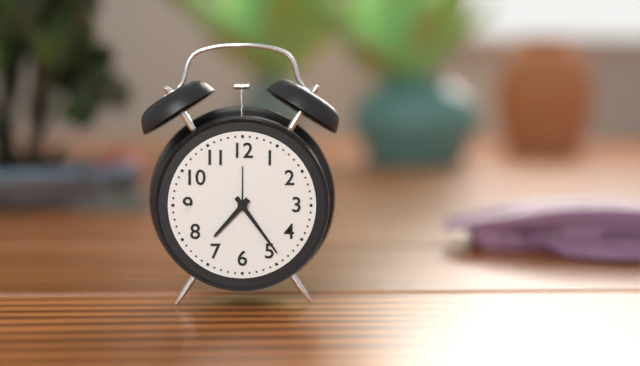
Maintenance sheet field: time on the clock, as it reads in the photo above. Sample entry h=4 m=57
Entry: h=7 m=24
